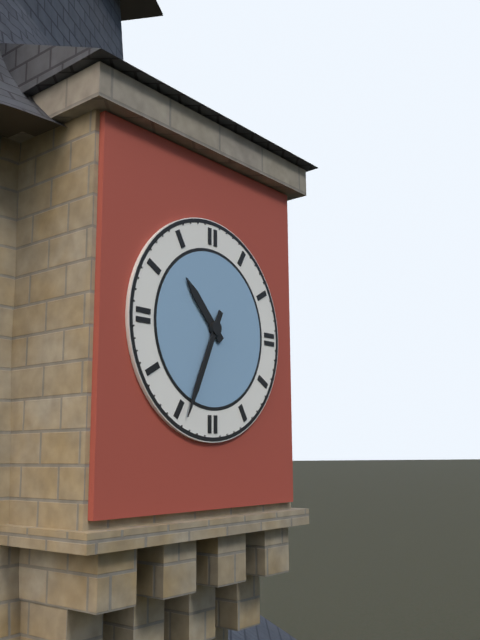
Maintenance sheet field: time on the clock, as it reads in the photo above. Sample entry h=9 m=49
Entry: h=10 m=34
